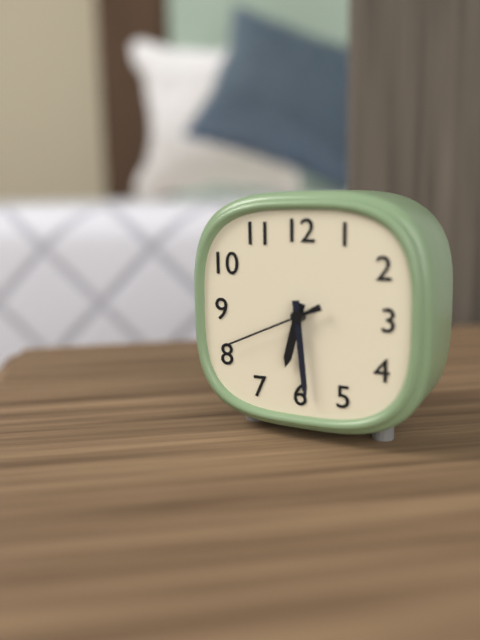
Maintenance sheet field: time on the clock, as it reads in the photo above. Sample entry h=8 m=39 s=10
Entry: h=6 m=29 s=41
